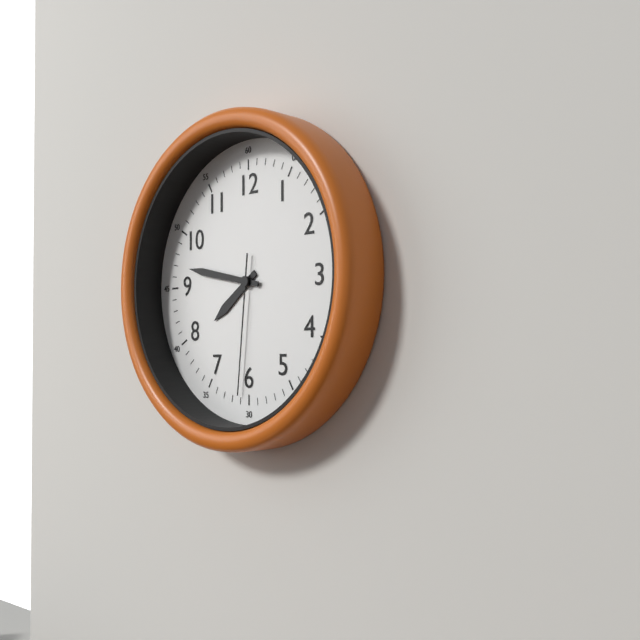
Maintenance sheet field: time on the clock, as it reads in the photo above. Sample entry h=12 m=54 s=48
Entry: h=7 m=47 s=31
